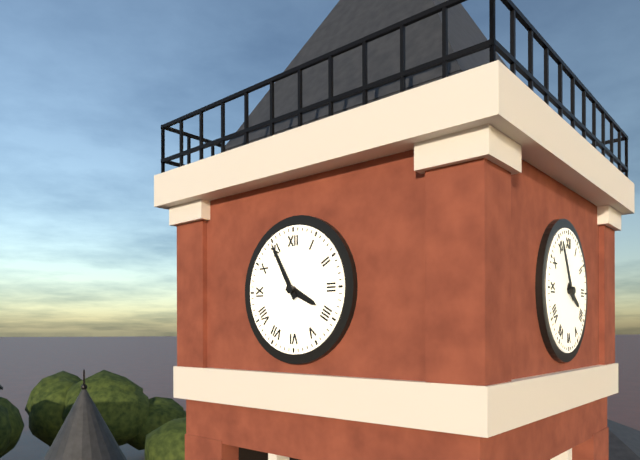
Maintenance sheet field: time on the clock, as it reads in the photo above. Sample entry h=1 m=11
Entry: h=3 m=55
